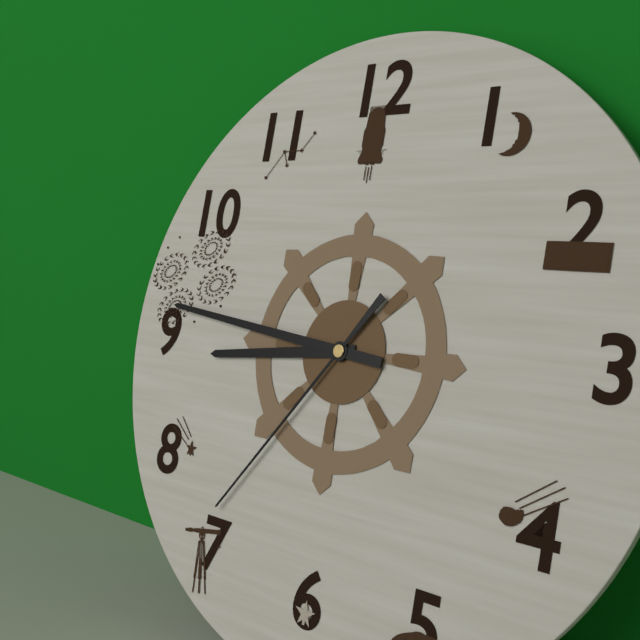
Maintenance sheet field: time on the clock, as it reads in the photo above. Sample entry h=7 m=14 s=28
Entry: h=8 m=46 s=36
